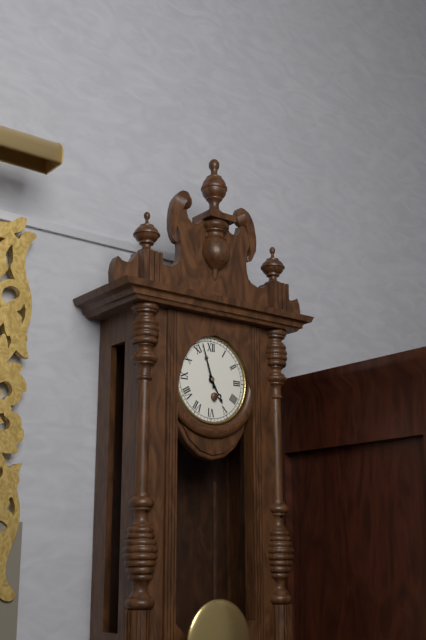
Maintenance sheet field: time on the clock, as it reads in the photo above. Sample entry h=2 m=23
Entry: h=4 m=57
